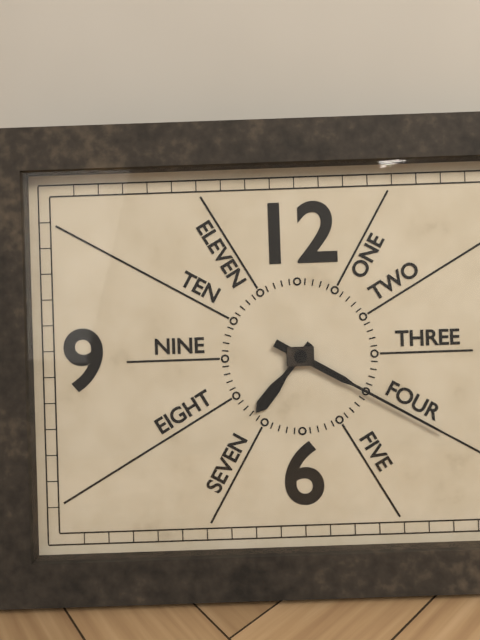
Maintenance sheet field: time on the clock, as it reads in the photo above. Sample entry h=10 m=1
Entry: h=7 m=20
